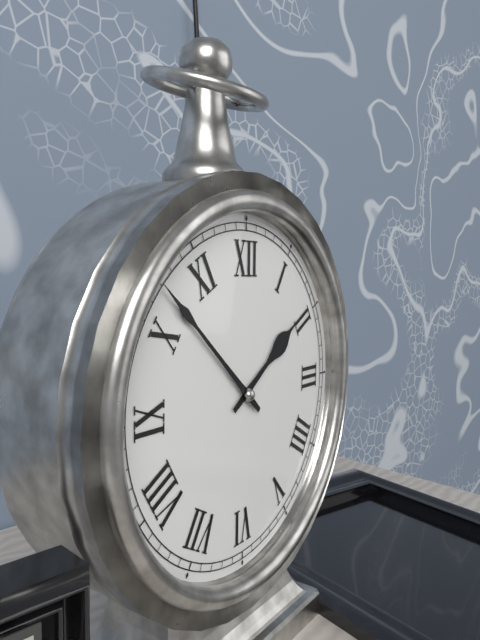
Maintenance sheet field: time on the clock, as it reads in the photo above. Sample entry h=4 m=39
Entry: h=1 m=52
